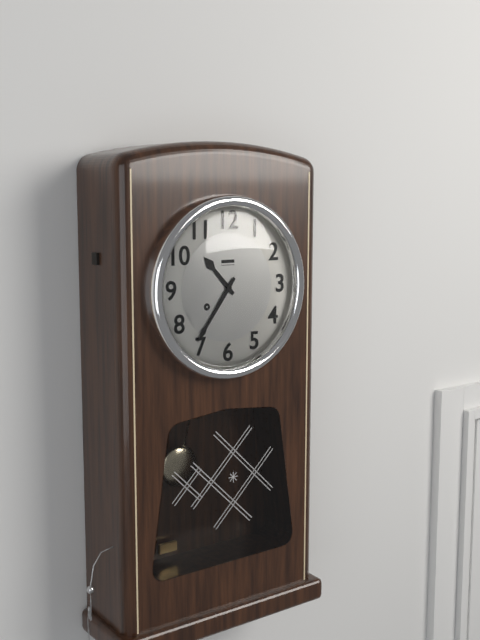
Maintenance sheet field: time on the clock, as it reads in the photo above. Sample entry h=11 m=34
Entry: h=10 m=36
